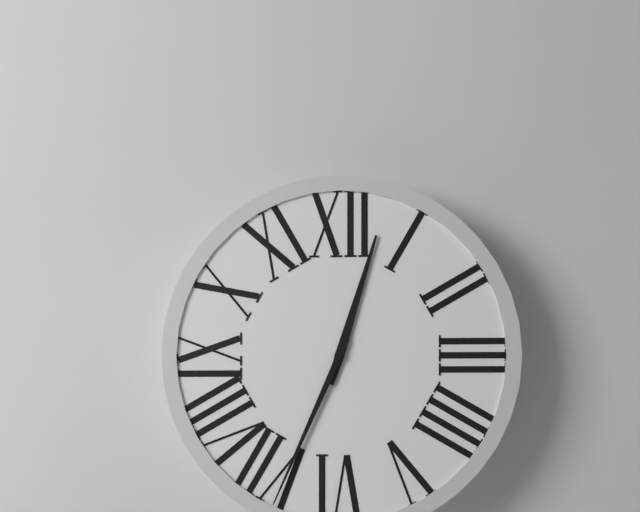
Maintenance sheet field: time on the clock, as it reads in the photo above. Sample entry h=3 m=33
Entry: h=12 m=34
